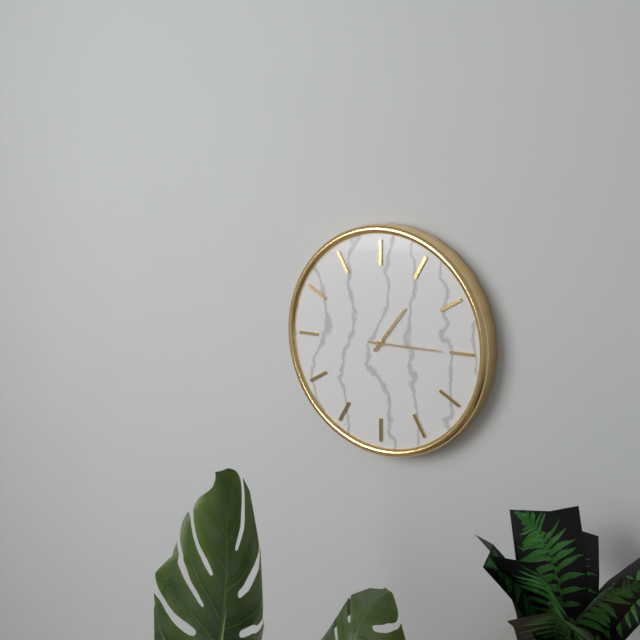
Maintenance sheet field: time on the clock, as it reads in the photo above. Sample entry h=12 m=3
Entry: h=1 m=15
